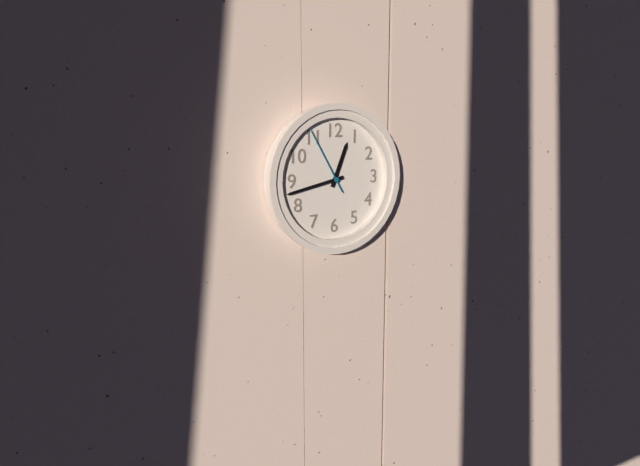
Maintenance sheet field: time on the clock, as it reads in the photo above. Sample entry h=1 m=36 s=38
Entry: h=12 m=43 s=55
